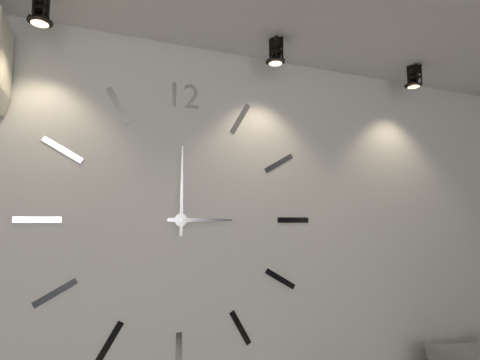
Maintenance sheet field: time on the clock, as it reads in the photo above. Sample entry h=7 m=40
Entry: h=3 m=0
